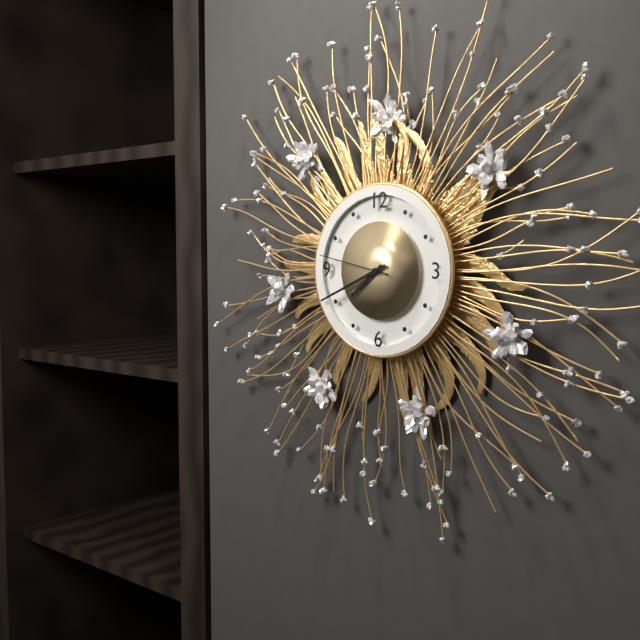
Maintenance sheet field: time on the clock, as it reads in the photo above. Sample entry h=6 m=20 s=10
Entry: h=7 m=41 s=47
